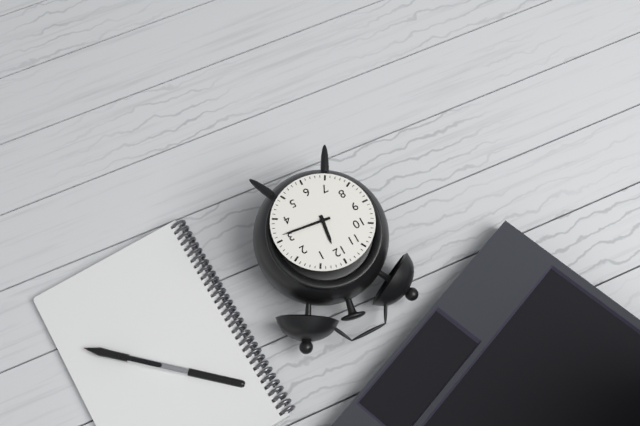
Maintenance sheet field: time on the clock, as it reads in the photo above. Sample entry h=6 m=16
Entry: h=12 m=16
